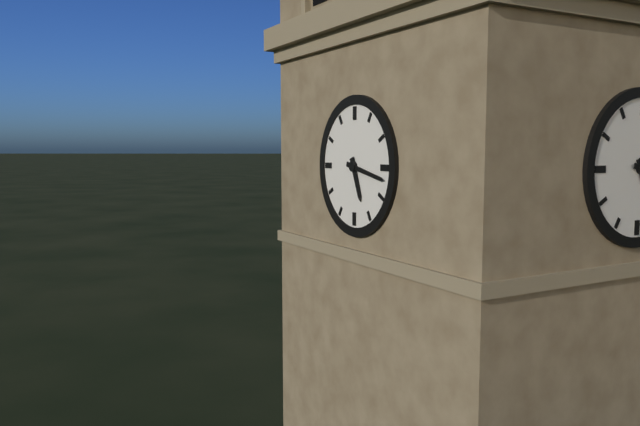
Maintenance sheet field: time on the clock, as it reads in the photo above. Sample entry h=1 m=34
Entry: h=5 m=17
